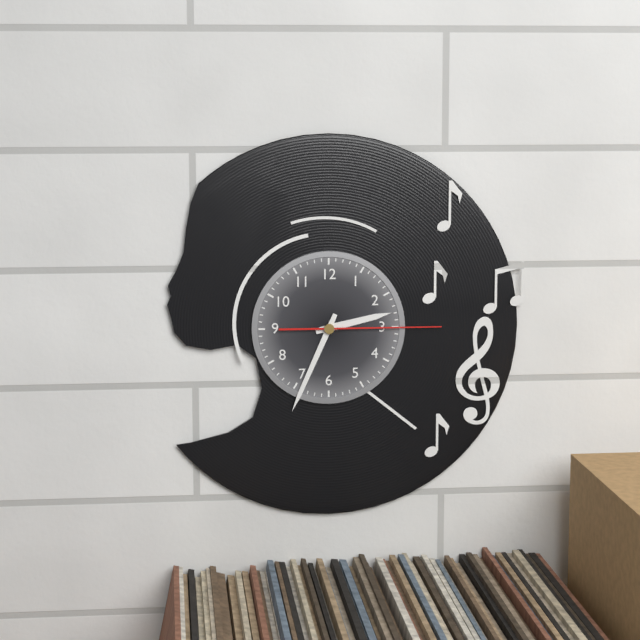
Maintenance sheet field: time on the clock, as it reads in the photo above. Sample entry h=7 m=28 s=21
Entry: h=2 m=34 s=15
